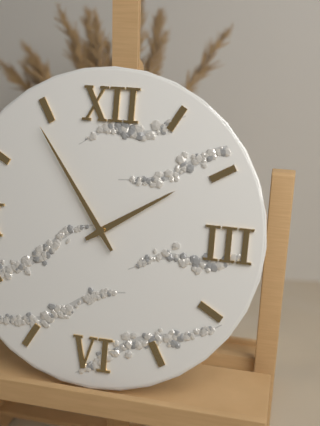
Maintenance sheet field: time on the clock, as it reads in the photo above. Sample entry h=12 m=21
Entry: h=1 m=54
